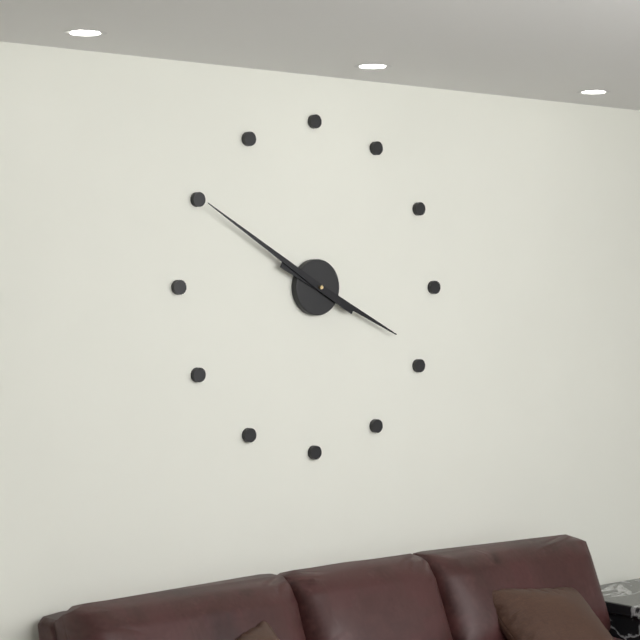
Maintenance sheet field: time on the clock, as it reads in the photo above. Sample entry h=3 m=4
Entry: h=3 m=50
